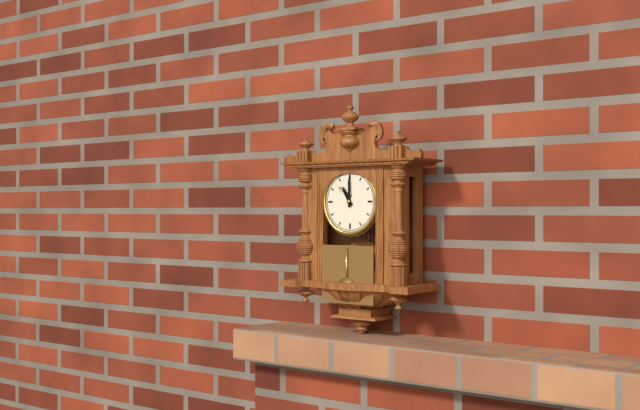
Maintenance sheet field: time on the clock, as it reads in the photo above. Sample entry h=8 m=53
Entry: h=11 m=0
